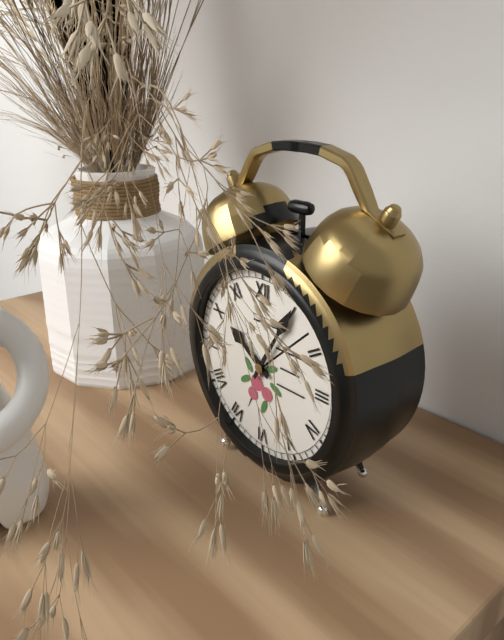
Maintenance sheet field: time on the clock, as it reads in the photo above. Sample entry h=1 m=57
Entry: h=10 m=5
